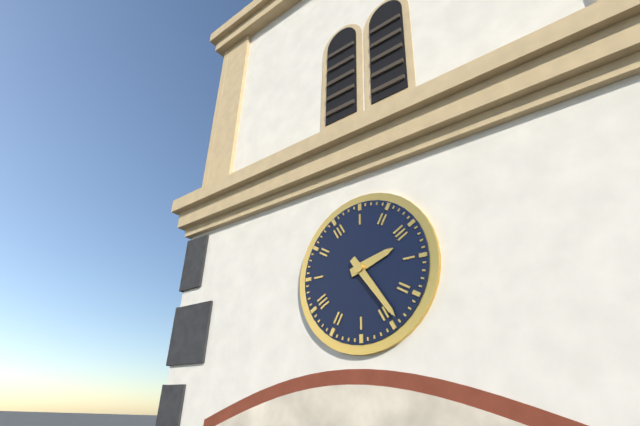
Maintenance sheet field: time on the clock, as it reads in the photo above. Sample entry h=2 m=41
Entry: h=2 m=24
